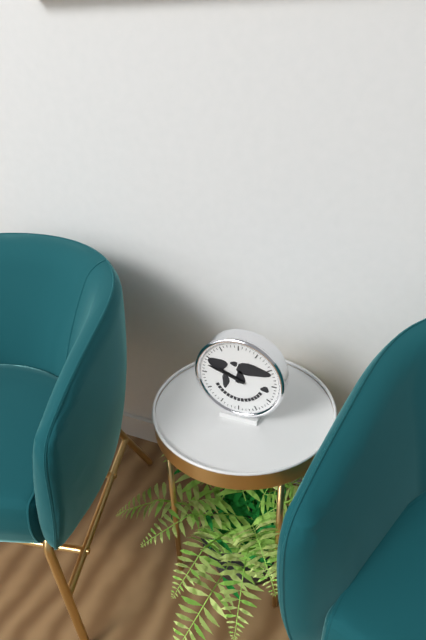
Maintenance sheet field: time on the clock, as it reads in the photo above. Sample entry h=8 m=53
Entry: h=9 m=48
